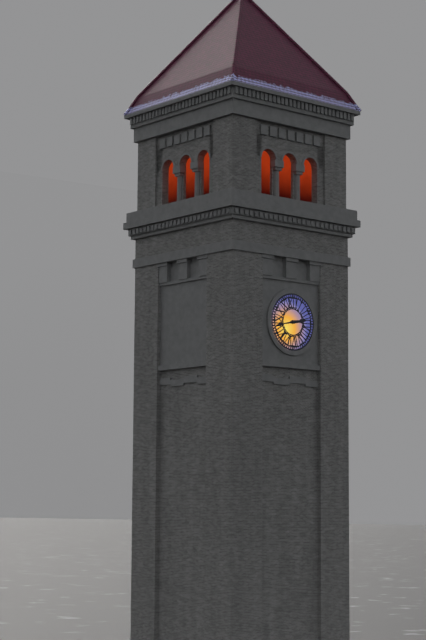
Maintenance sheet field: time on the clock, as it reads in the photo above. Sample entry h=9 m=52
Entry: h=2 m=43
